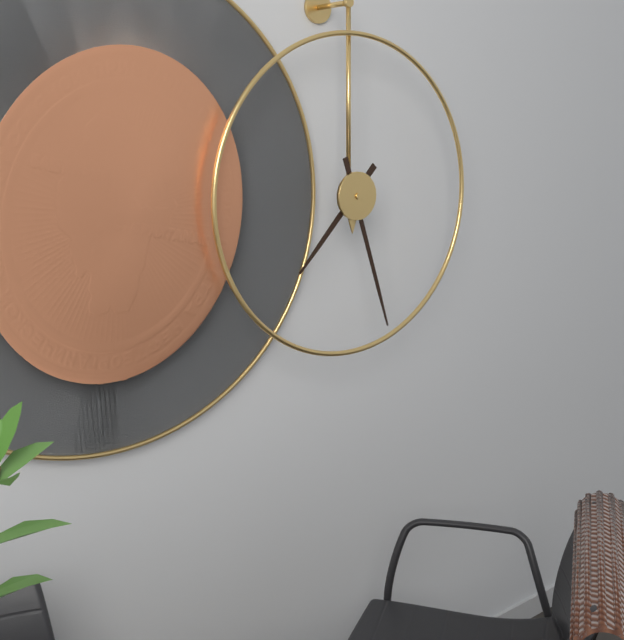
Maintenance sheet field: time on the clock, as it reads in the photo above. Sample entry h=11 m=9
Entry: h=7 m=27
